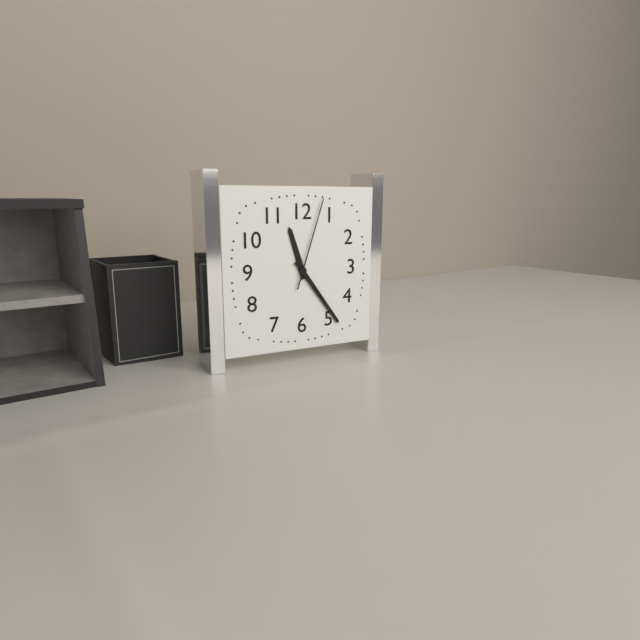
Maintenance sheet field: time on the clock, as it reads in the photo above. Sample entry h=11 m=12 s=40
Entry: h=11 m=24 s=3
